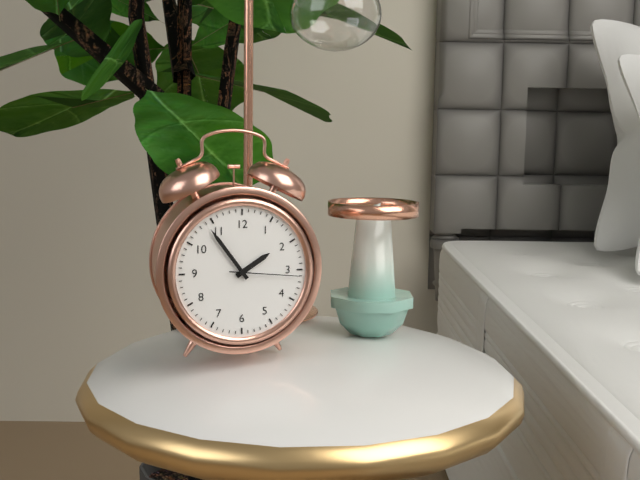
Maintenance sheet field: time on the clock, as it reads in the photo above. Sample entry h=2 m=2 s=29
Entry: h=1 m=54 s=16
